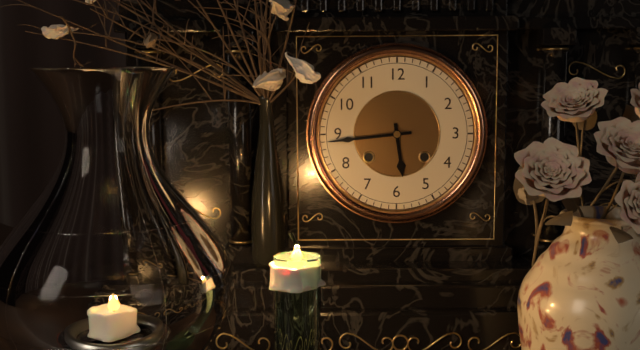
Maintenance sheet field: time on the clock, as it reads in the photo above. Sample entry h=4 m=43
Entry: h=5 m=44
